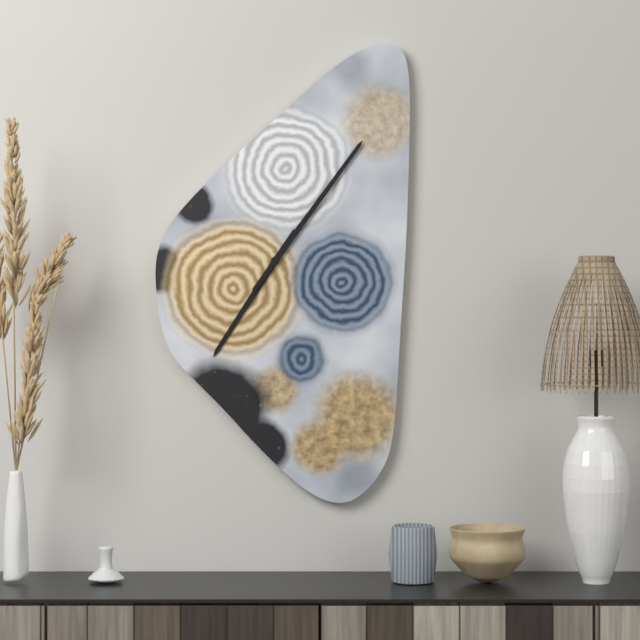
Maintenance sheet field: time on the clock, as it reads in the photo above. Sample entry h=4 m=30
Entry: h=7 m=6
